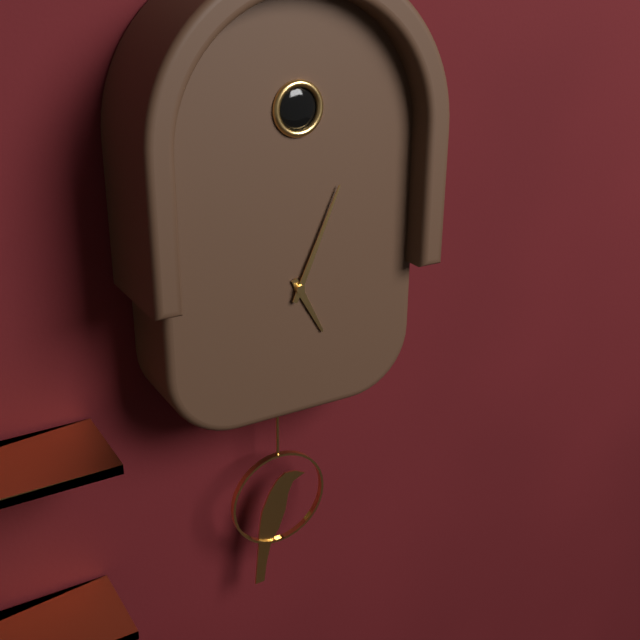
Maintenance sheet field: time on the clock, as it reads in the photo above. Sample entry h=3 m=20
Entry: h=5 m=4
